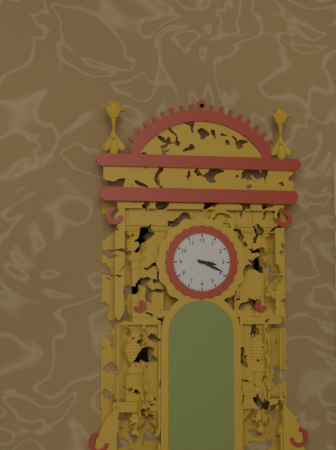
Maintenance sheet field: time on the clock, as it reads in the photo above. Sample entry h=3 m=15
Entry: h=3 m=19
